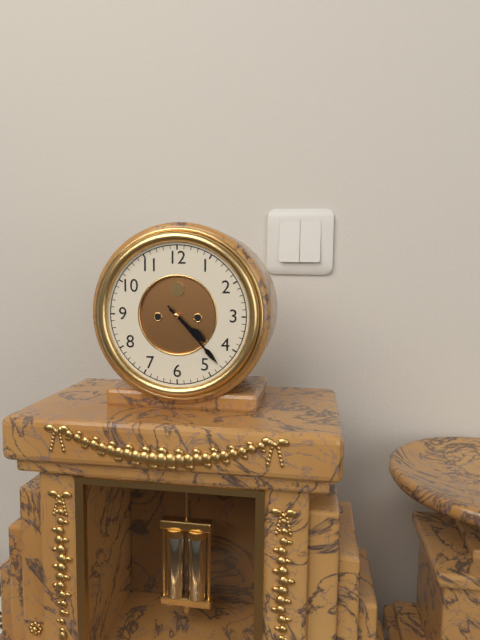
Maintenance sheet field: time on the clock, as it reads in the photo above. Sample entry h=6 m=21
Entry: h=4 m=23
